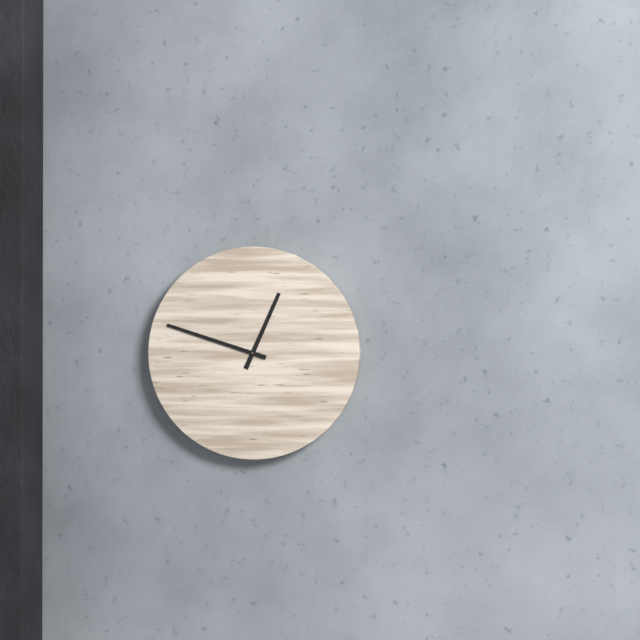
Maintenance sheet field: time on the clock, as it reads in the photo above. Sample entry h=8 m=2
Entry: h=12 m=48
